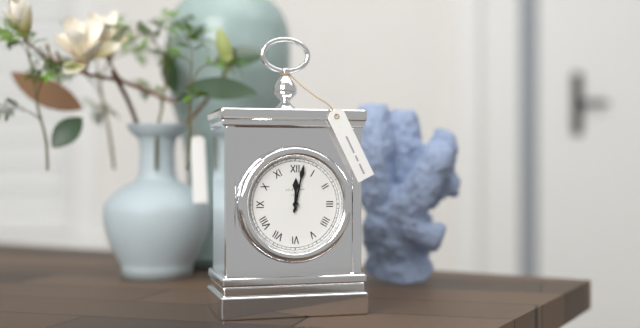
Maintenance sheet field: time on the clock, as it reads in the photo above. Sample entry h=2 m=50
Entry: h=12 m=2
